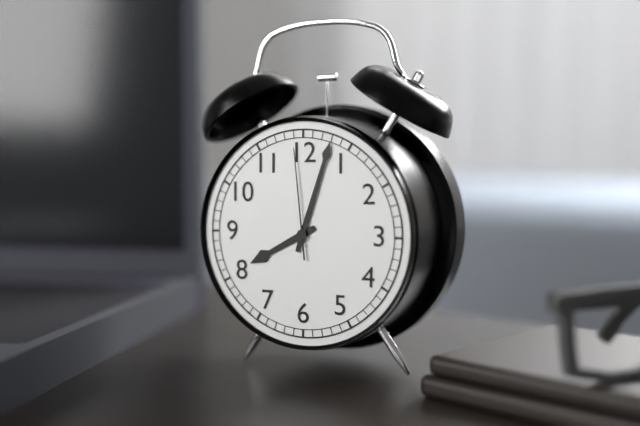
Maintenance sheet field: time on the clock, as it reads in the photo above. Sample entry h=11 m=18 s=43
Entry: h=8 m=3 s=59
